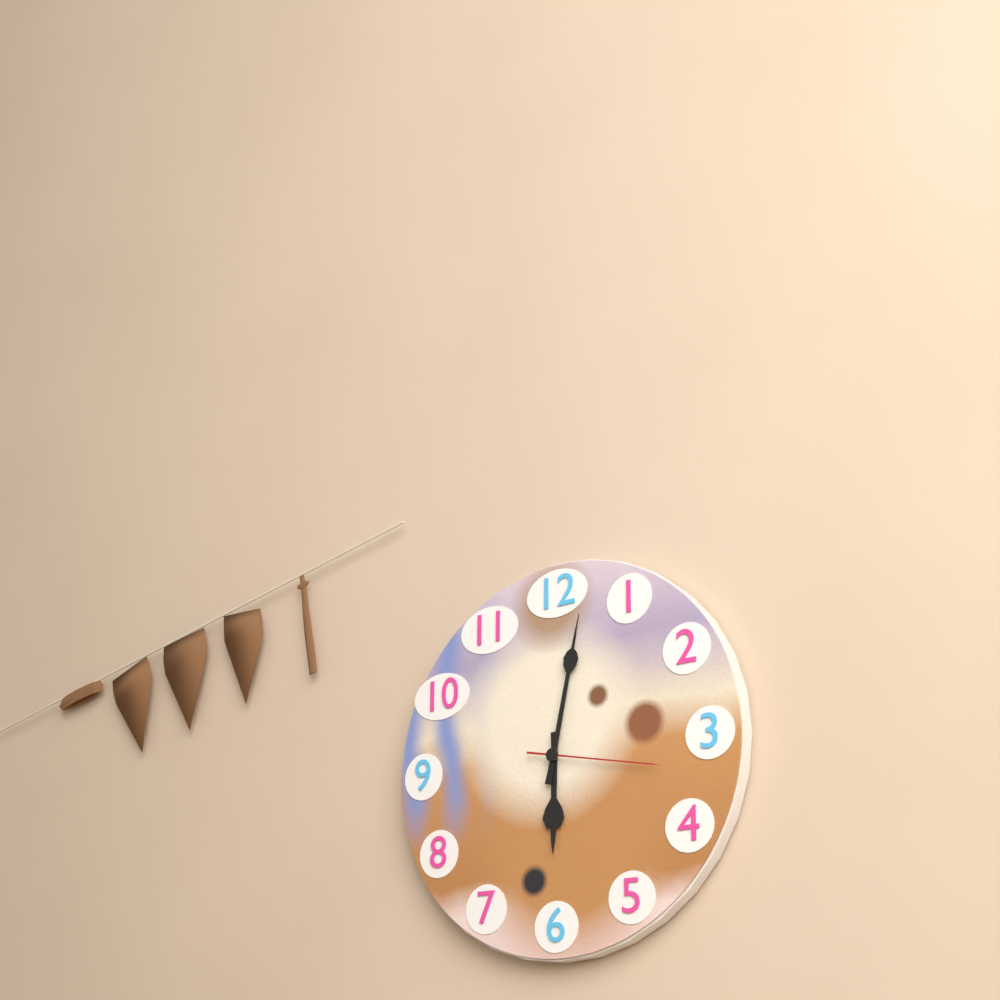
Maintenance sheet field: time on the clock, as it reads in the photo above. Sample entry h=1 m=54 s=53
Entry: h=6 m=2 s=17
